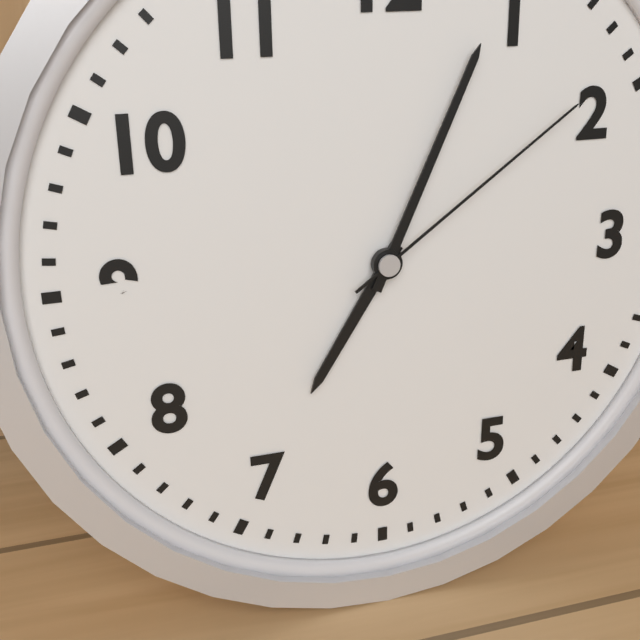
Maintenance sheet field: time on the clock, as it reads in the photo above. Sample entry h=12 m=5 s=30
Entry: h=7 m=4 s=9
